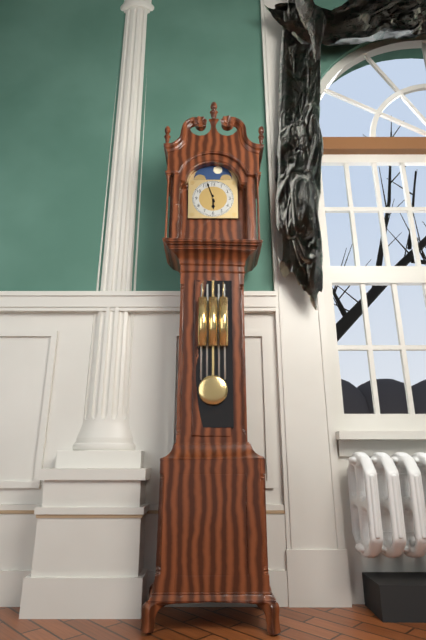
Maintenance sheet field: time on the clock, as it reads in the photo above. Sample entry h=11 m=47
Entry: h=5 m=57
